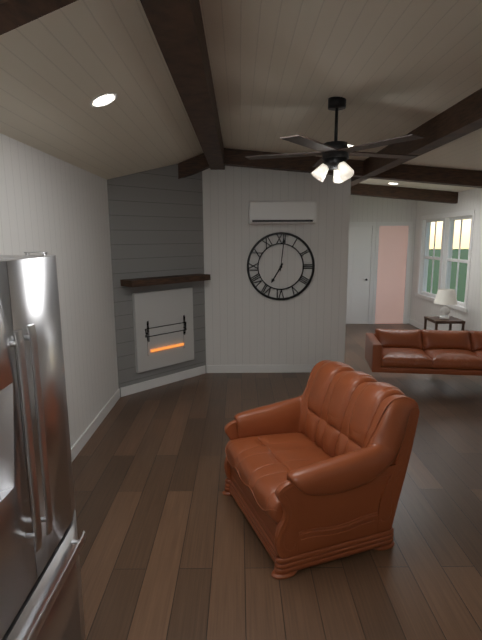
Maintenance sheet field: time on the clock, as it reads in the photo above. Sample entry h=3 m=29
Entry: h=7 m=1
